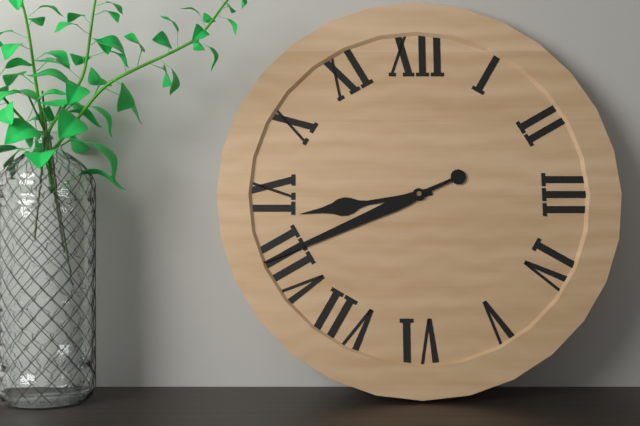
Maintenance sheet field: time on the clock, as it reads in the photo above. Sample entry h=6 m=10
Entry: h=8 m=41
